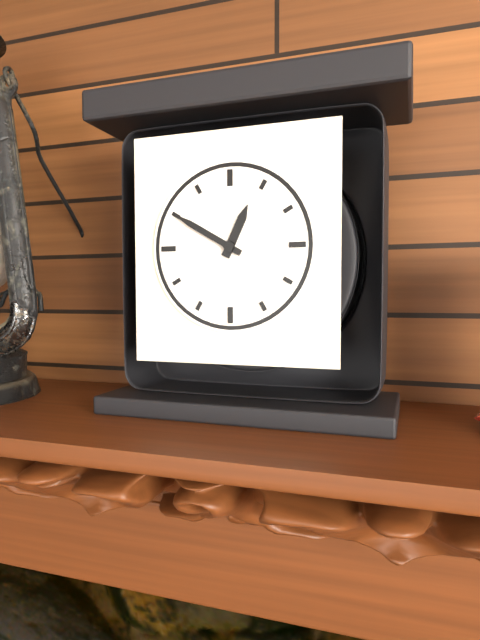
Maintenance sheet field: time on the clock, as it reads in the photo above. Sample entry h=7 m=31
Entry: h=12 m=50
